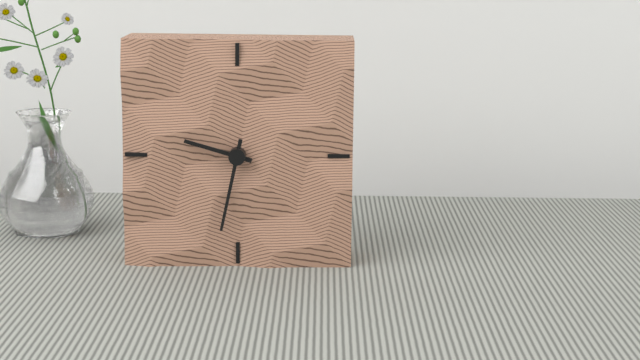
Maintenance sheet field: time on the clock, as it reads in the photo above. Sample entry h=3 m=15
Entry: h=9 m=32
